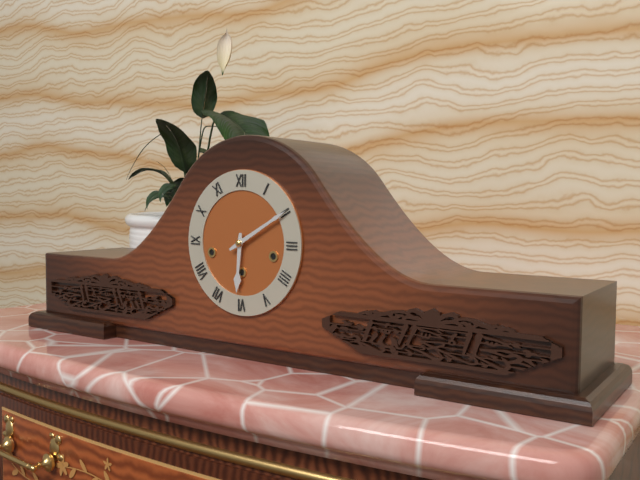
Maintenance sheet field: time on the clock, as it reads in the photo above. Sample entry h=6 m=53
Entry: h=6 m=10
